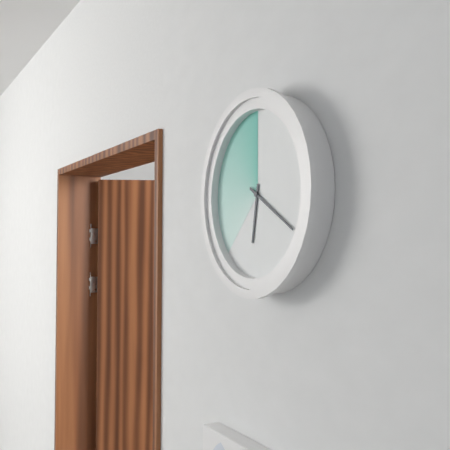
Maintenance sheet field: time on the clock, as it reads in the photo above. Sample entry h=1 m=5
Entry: h=6 m=20
